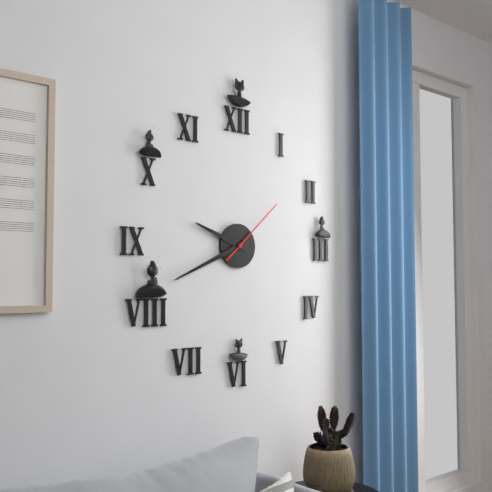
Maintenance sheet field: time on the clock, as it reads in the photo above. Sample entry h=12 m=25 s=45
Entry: h=9 m=41 s=8
